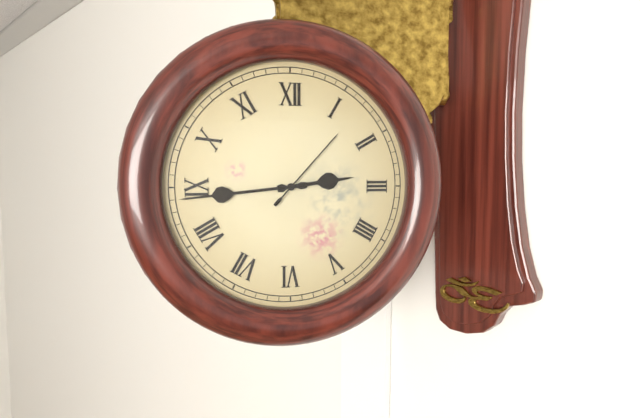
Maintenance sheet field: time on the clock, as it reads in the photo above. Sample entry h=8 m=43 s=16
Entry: h=2 m=44 s=7
